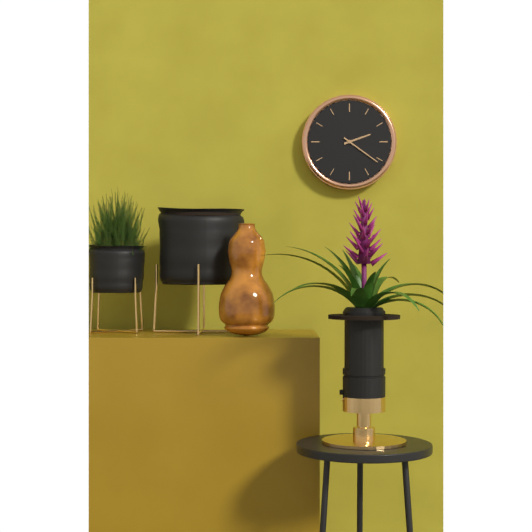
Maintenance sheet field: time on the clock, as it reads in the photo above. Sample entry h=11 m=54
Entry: h=2 m=21
